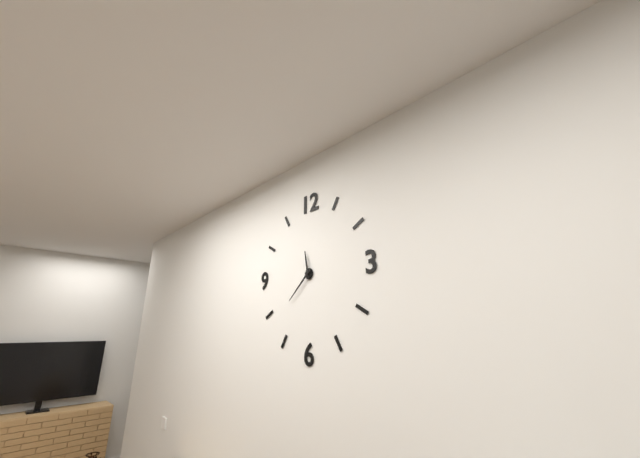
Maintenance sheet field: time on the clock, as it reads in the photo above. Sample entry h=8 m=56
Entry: h=11 m=38
